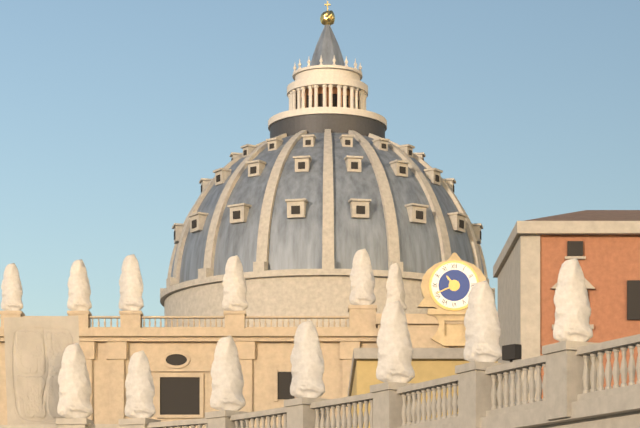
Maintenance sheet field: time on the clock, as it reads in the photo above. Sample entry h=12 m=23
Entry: h=10 m=41
